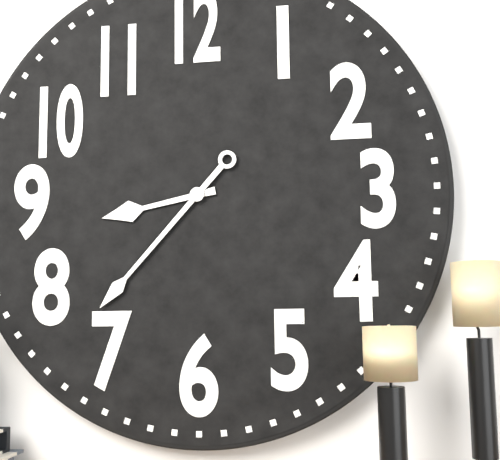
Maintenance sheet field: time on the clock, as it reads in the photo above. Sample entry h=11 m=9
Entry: h=8 m=37
